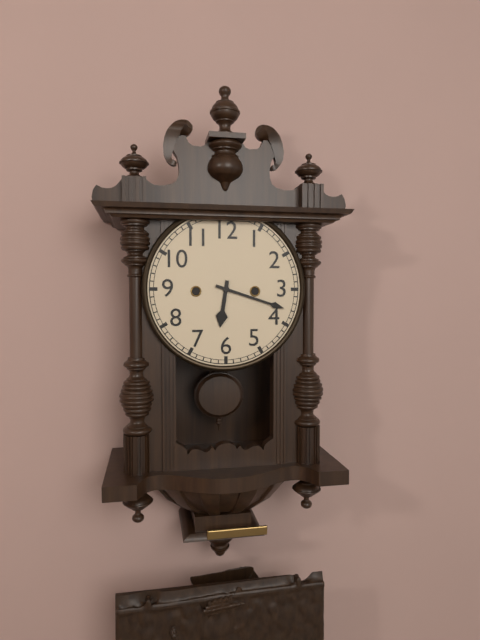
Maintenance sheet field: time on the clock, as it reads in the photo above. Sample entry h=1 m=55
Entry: h=6 m=18
